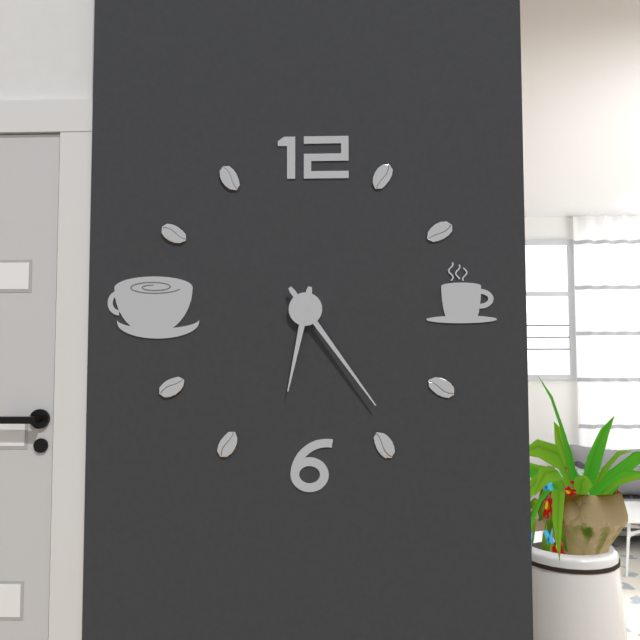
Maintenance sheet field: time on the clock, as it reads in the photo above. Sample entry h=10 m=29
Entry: h=6 m=24
